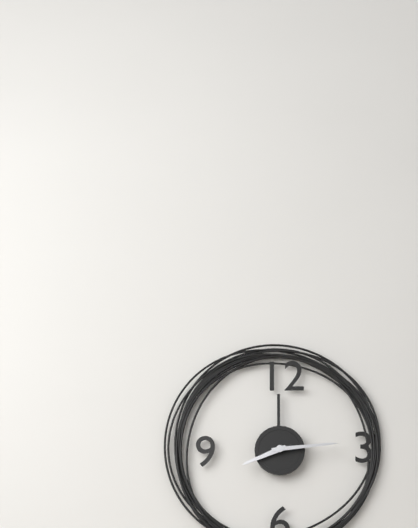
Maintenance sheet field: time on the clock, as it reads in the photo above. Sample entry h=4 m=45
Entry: h=8 m=14
